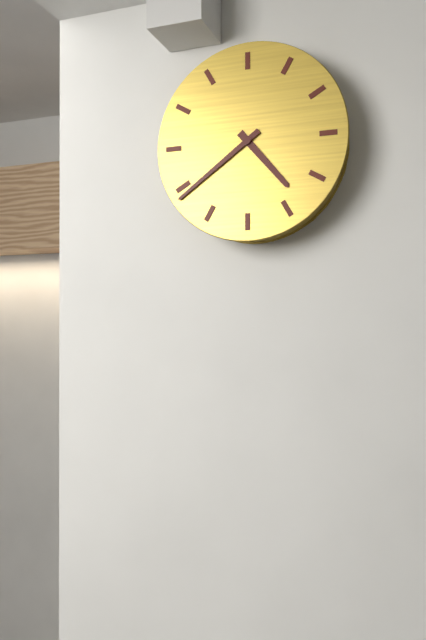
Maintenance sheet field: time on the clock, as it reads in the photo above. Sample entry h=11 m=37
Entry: h=4 m=39
